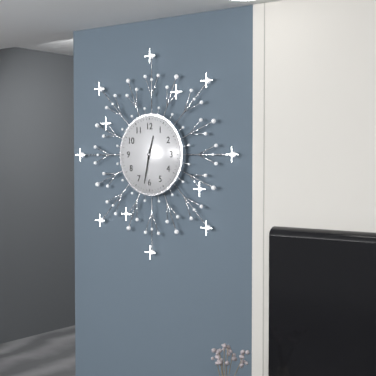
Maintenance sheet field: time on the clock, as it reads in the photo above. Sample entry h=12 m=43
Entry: h=12 m=32
